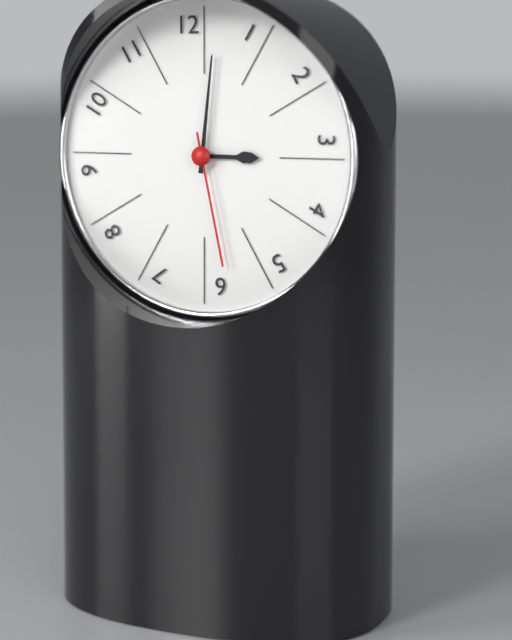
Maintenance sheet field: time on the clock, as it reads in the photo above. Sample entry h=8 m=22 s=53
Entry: h=3 m=1 s=28
